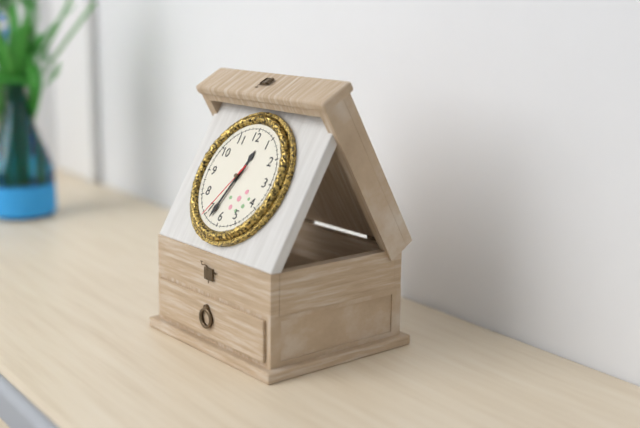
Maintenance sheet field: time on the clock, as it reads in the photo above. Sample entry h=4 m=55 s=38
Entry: h=12 m=33 s=35
